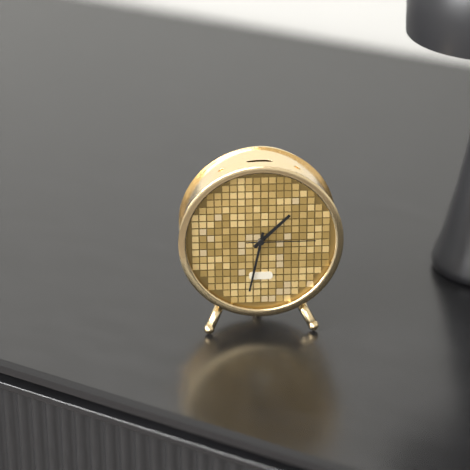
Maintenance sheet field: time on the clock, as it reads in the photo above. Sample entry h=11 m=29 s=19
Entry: h=1 m=32 s=15
